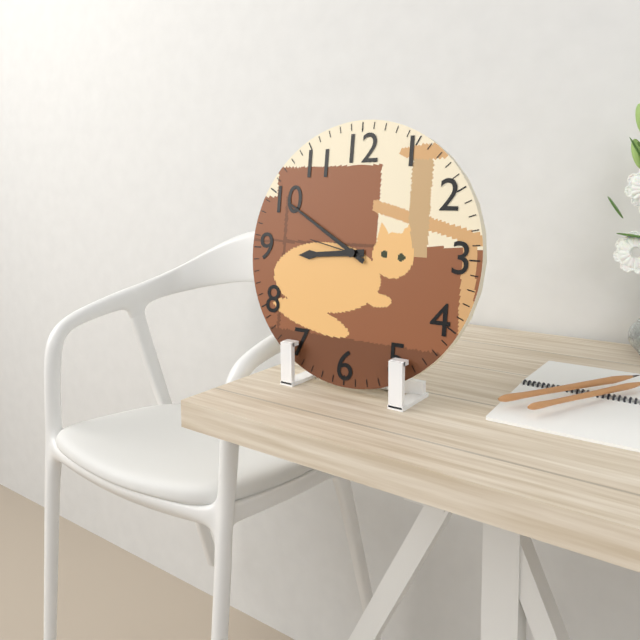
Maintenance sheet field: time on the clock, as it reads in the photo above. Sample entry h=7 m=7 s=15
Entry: h=8 m=50 s=47
